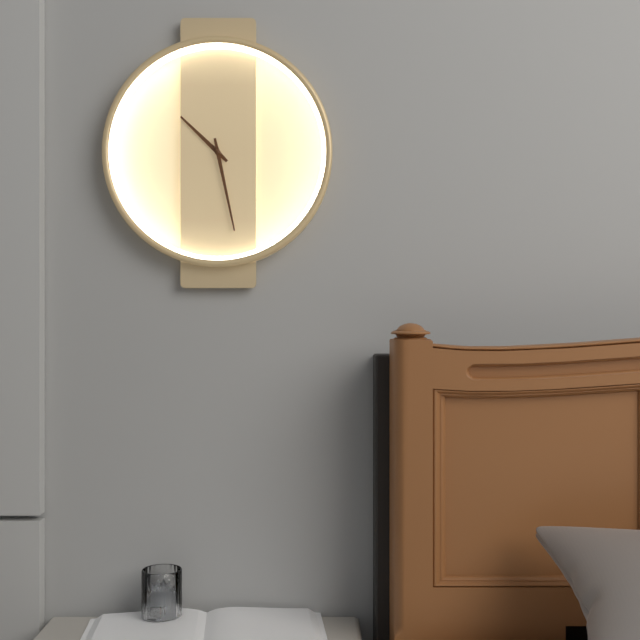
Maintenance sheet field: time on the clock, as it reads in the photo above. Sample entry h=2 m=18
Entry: h=10 m=28
